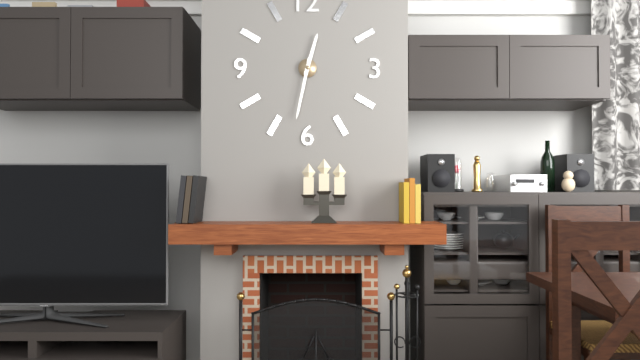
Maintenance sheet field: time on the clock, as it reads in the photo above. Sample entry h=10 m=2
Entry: h=12 m=32
